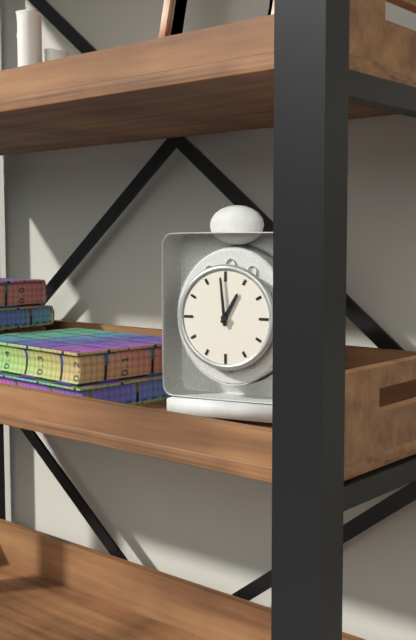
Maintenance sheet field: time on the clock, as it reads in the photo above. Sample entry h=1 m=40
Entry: h=12 m=59
